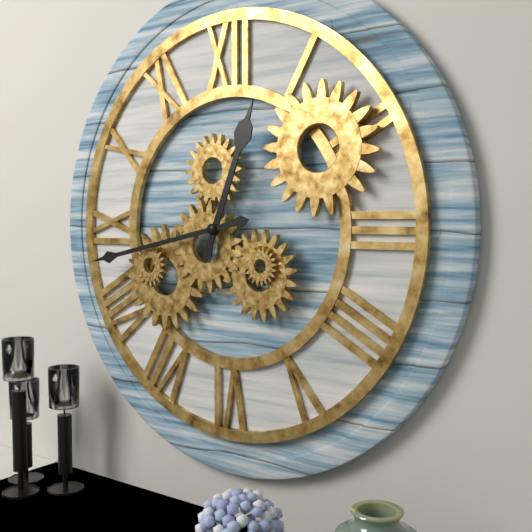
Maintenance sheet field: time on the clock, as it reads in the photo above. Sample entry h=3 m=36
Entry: h=12 m=43
